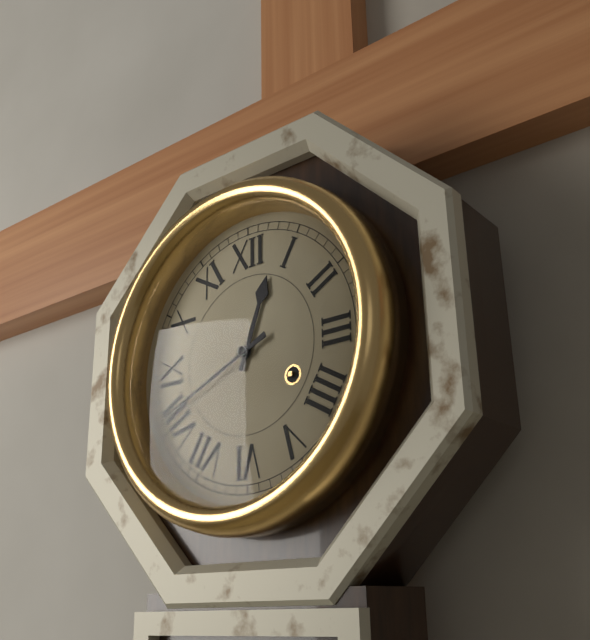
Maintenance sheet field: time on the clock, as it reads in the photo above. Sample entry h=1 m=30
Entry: h=12 m=41
